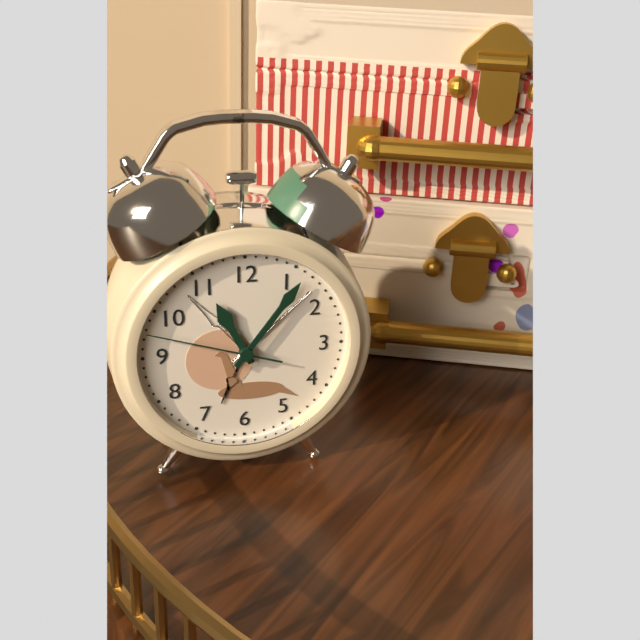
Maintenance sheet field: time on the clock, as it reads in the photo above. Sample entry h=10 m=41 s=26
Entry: h=11 m=6 s=48
